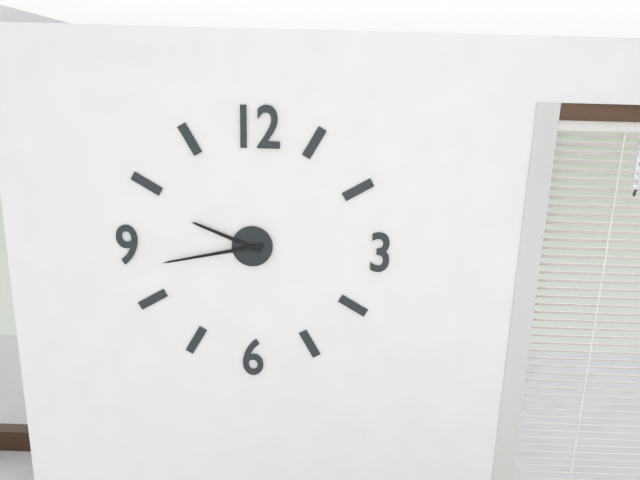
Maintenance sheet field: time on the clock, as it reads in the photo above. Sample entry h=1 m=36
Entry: h=9 m=43
